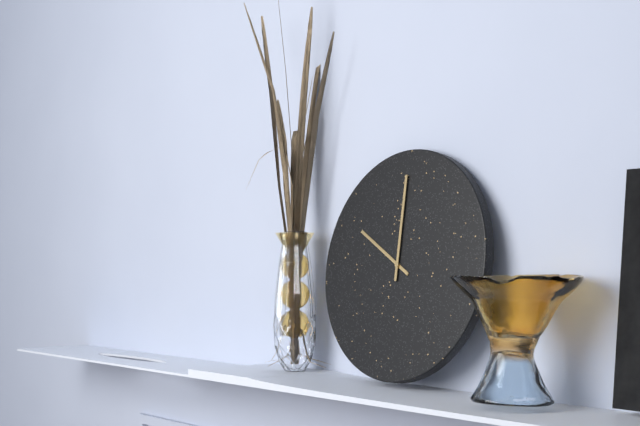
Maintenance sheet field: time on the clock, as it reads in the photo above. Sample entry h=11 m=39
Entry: h=10 m=0
